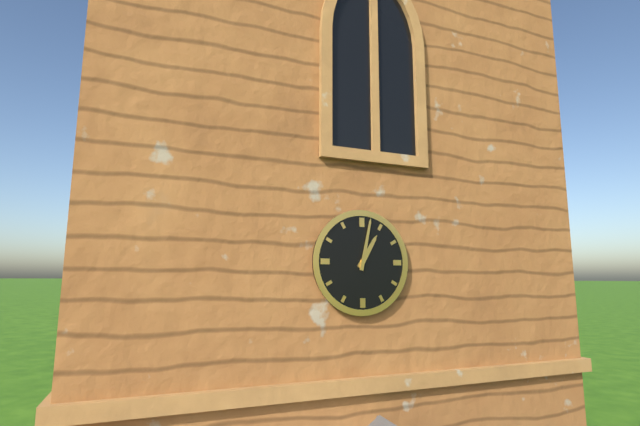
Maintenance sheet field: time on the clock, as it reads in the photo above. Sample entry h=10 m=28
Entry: h=1 m=2
